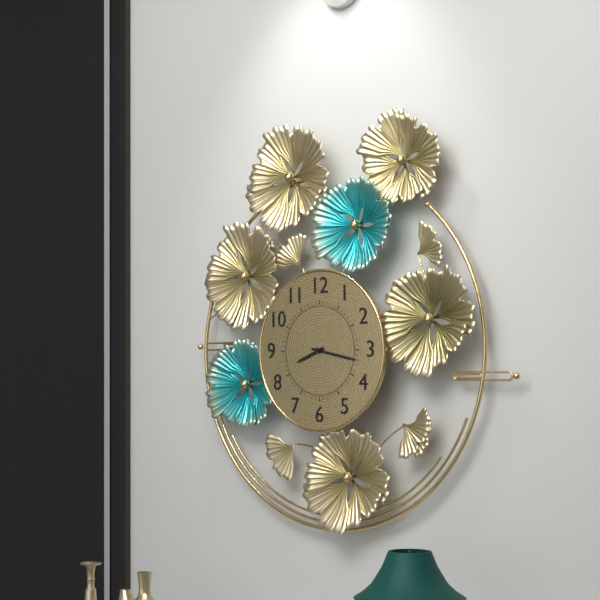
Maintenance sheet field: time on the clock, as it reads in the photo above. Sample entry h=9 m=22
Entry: h=8 m=17
